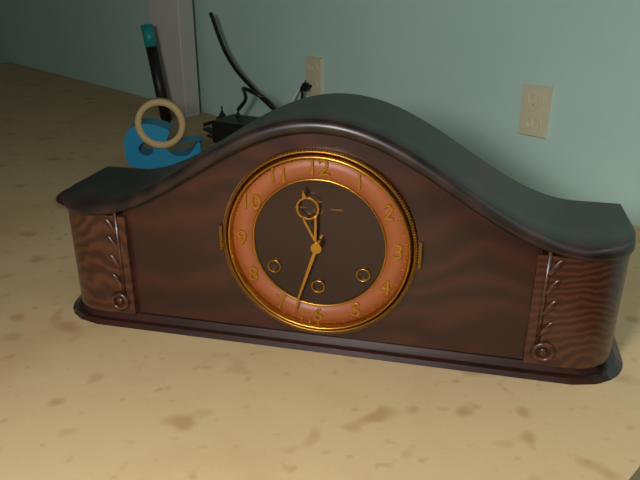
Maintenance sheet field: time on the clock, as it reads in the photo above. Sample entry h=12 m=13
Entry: h=11 m=33
